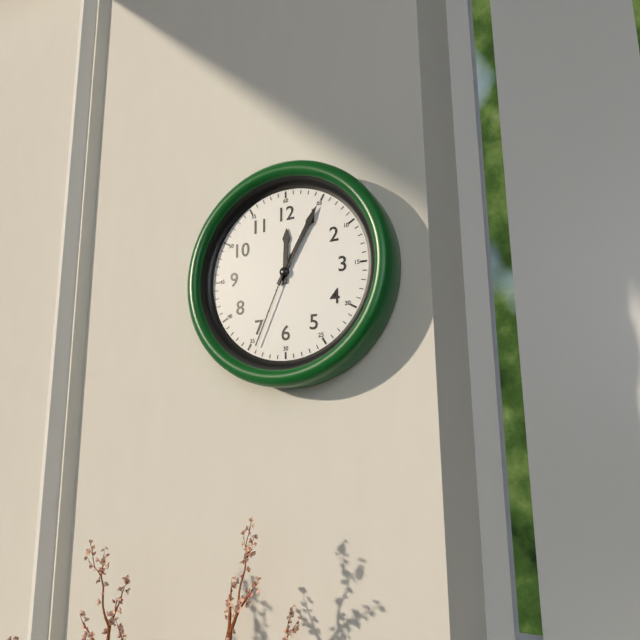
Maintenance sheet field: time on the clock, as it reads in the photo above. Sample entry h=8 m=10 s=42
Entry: h=12 m=5 s=34
